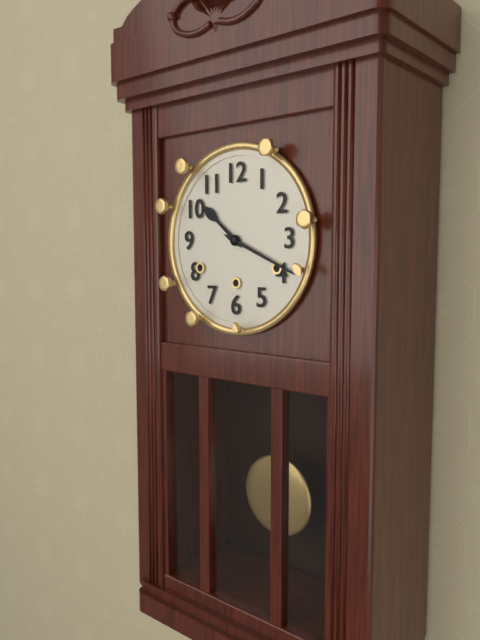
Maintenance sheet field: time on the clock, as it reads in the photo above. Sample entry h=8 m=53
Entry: h=10 m=19
